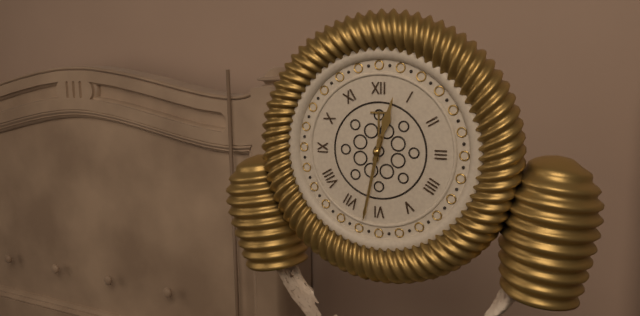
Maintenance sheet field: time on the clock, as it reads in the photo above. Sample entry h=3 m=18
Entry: h=12 m=32
